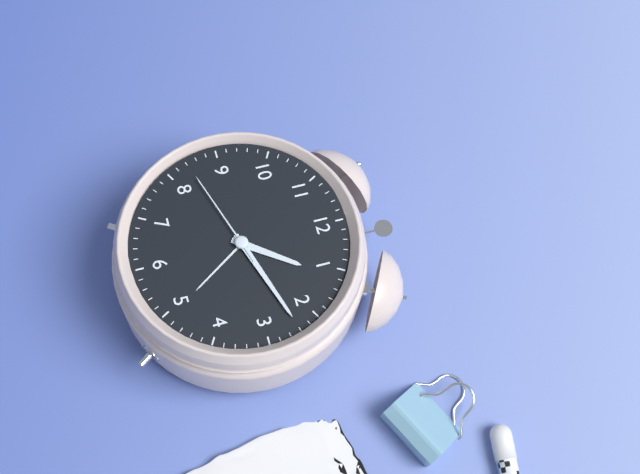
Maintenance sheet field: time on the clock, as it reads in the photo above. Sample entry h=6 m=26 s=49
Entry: h=1 m=12 s=42
